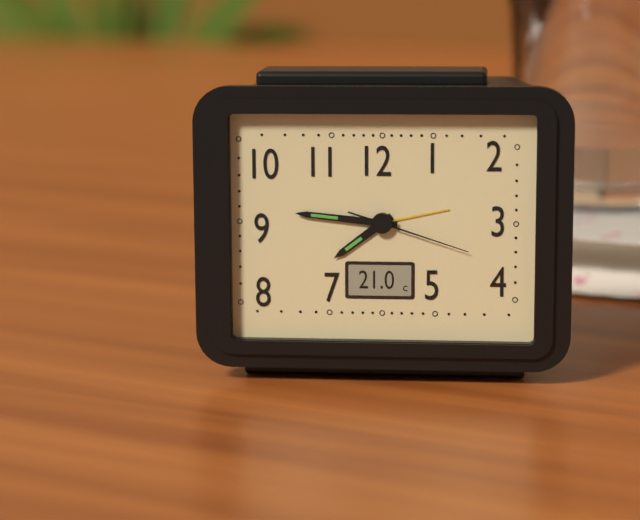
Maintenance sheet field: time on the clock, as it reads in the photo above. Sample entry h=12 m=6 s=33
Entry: h=7 m=46 s=18
